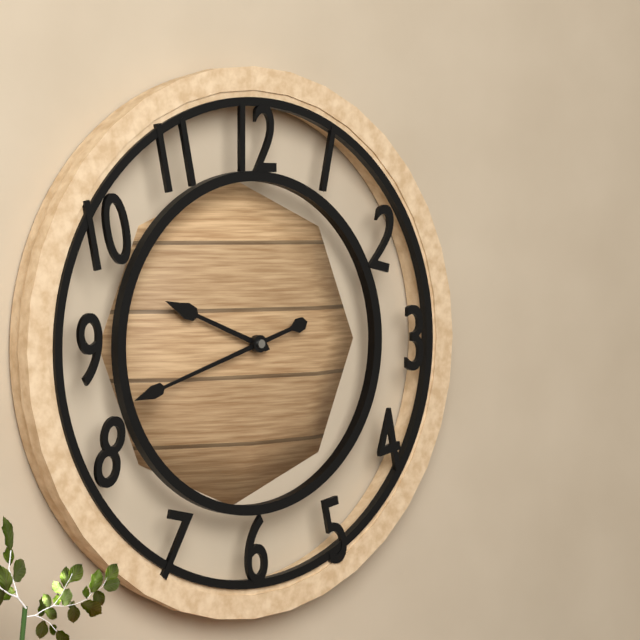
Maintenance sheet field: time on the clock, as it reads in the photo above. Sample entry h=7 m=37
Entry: h=9 m=42
